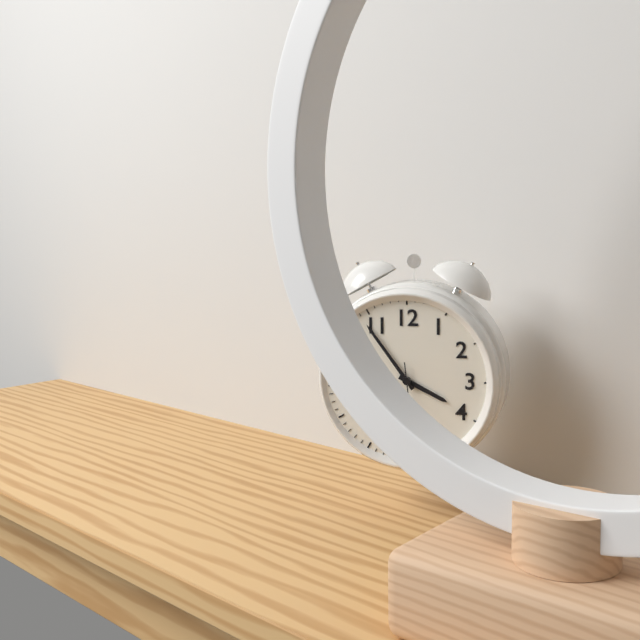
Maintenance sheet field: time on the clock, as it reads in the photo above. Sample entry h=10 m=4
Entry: h=3 m=54
